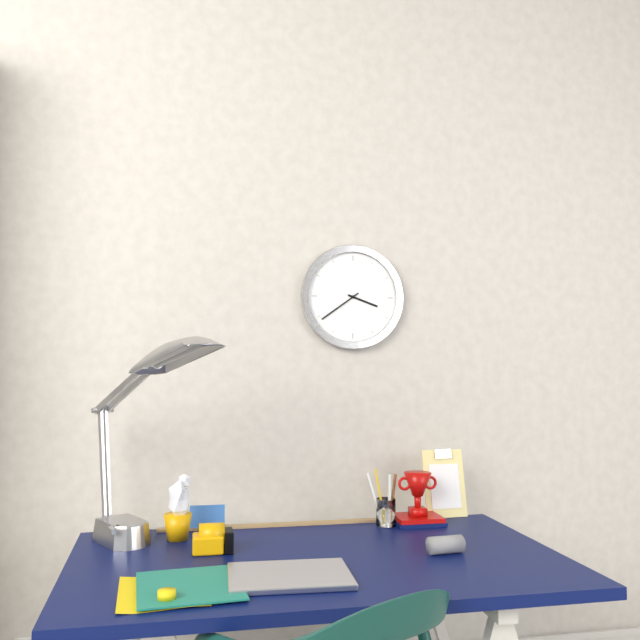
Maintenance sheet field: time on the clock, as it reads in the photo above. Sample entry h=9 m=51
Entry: h=3 m=39
